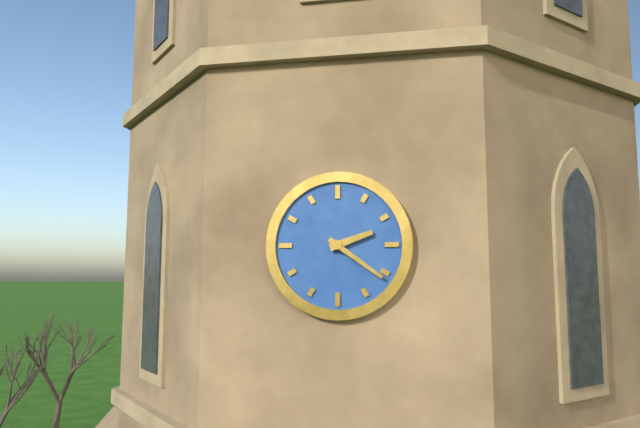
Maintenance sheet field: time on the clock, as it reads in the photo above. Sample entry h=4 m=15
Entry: h=2 m=21
